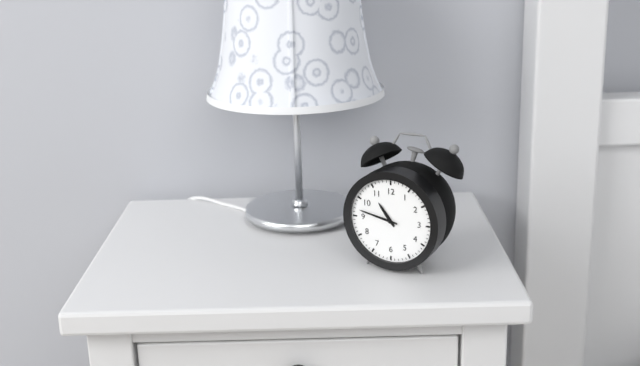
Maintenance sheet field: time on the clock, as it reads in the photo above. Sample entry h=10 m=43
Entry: h=10 m=47
